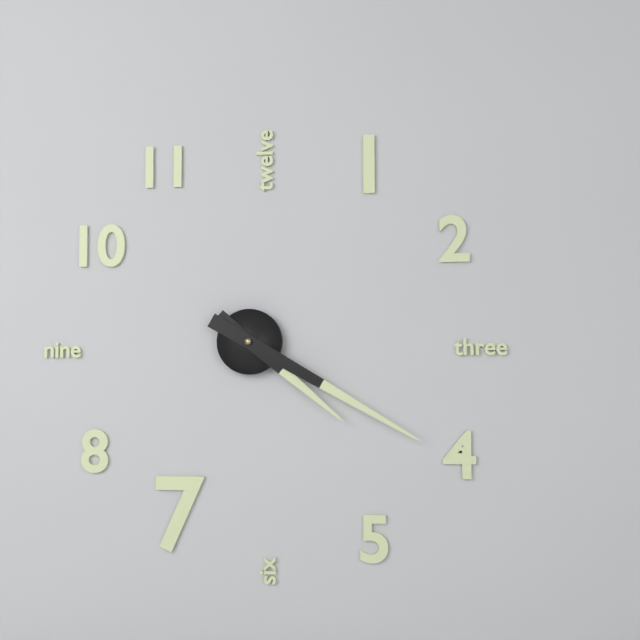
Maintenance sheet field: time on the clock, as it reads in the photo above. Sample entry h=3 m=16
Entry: h=4 m=20
